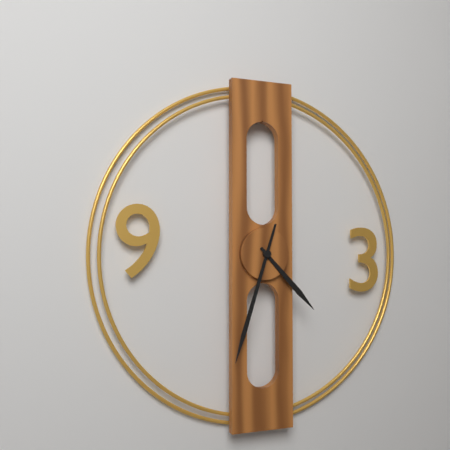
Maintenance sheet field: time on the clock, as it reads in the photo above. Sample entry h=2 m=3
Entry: h=4 m=33
